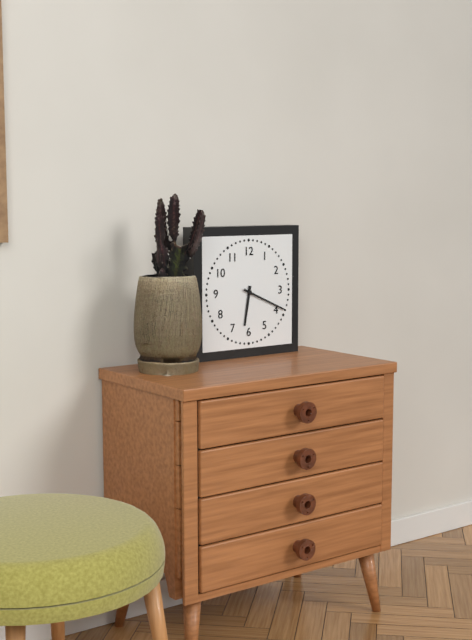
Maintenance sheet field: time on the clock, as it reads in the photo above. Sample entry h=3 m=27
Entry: h=6 m=19
